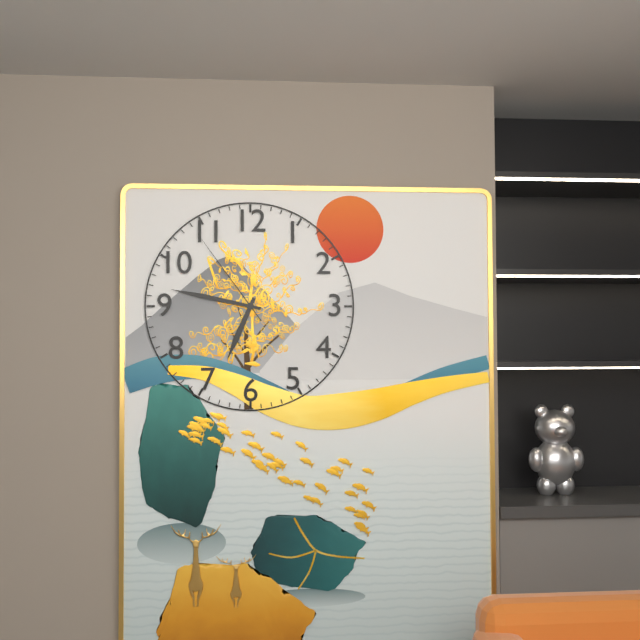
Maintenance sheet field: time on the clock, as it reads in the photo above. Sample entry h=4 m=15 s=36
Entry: h=6 m=47 s=54
